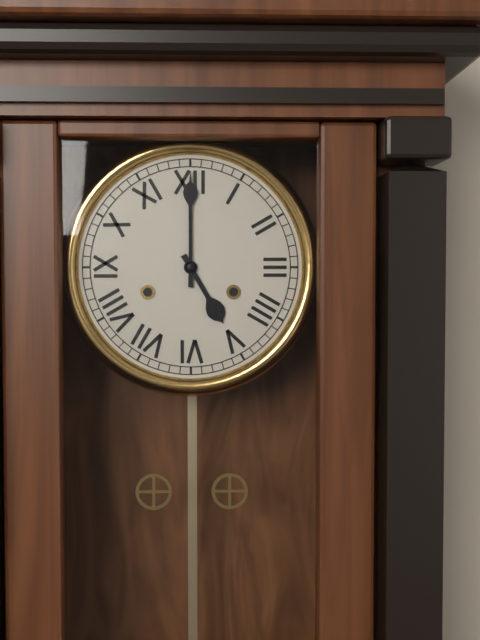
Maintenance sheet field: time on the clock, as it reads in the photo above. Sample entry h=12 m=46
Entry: h=5 m=0
